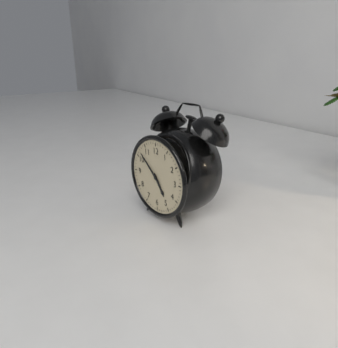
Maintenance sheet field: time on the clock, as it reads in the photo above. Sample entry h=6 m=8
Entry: h=4 m=52
